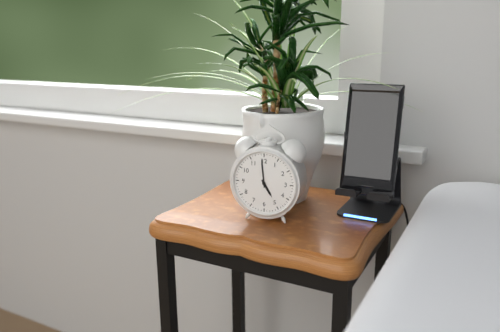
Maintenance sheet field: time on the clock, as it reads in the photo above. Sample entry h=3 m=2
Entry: h=4 m=59
